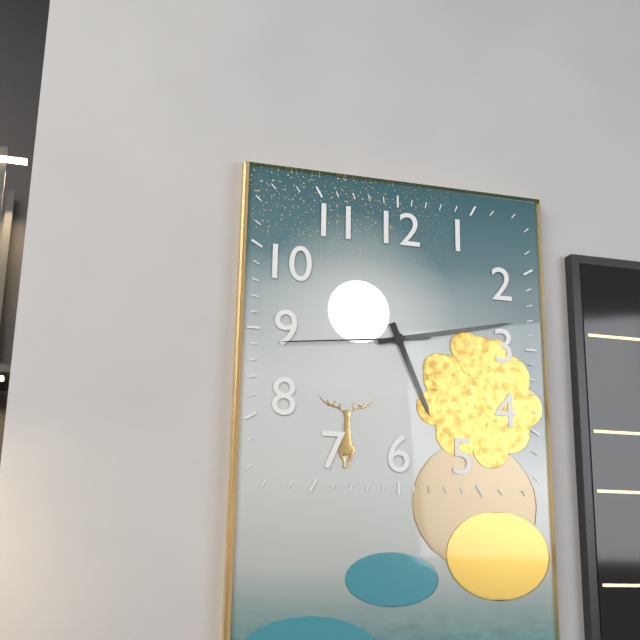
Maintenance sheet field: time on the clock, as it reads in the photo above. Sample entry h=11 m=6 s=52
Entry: h=5 m=13 s=44
